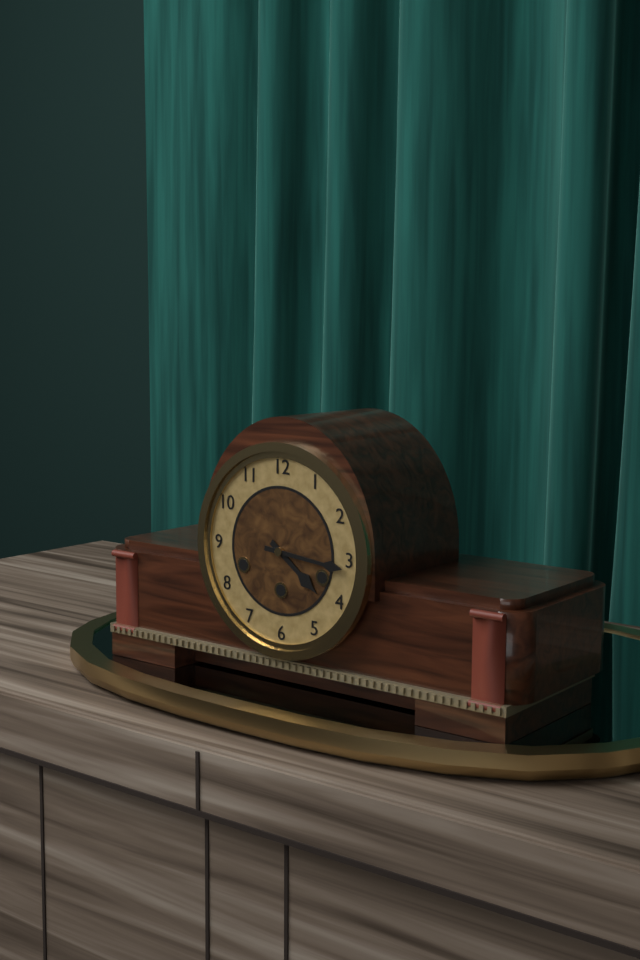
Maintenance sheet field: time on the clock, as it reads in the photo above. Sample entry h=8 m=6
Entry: h=4 m=16
